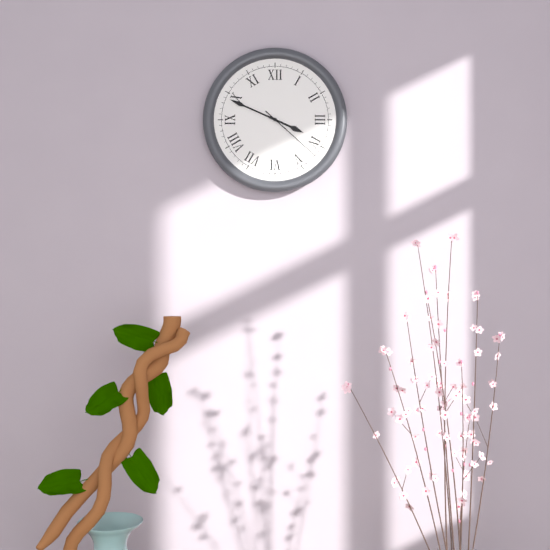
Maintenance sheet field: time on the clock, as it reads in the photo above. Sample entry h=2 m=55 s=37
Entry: h=3 m=49 s=22
